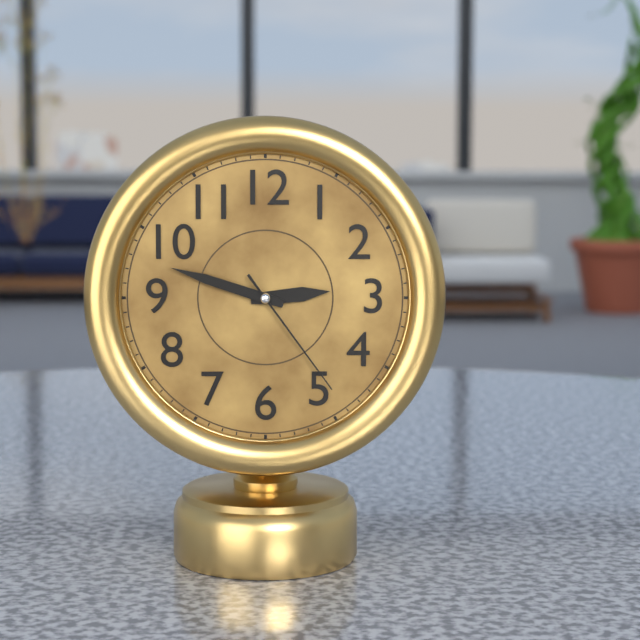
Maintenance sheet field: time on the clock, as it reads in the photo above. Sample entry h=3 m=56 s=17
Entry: h=2 m=48 s=24
